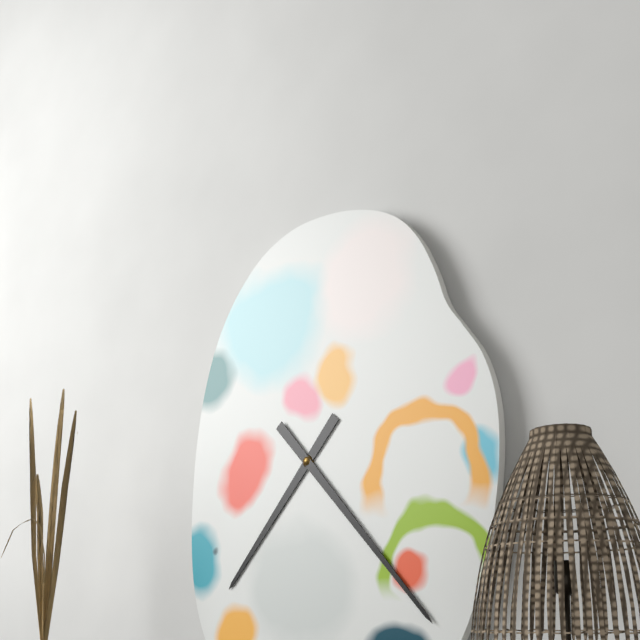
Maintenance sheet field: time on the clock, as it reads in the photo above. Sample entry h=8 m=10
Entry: h=7 m=23
